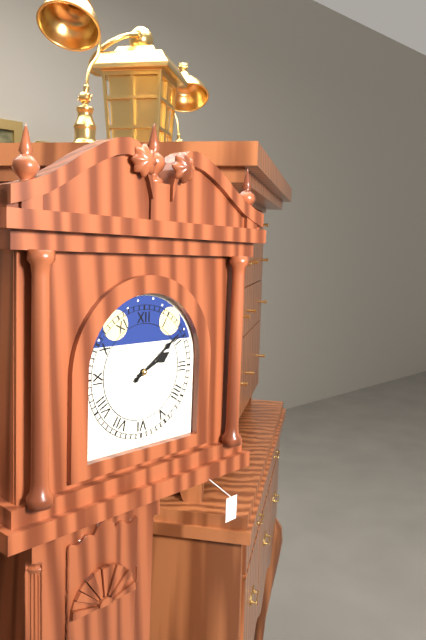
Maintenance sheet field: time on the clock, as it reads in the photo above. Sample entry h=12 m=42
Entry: h=2 m=9
